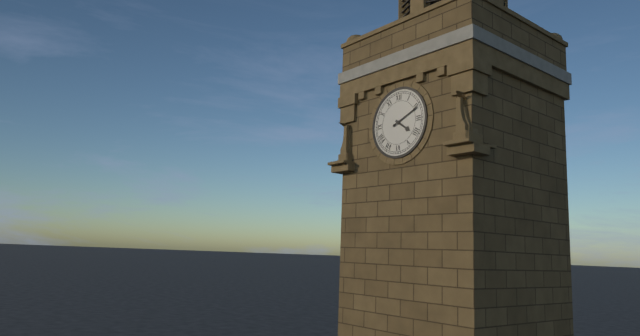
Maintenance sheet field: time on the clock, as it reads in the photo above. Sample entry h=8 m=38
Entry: h=4 m=11
